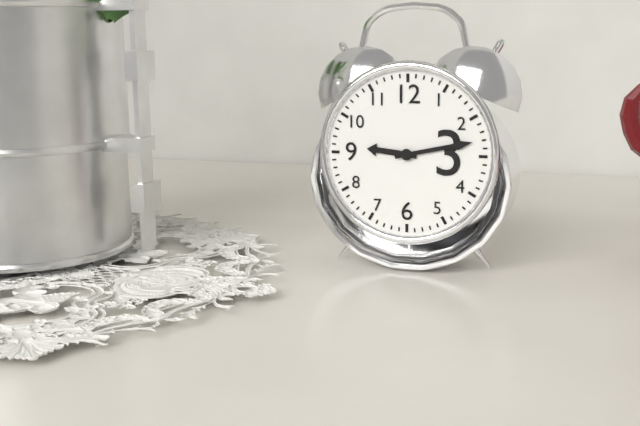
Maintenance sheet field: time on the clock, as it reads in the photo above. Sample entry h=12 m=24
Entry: h=9 m=13
